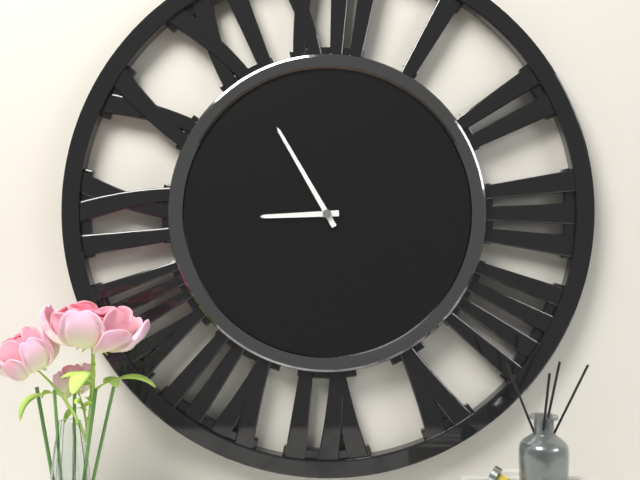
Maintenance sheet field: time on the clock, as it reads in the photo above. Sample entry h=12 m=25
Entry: h=8 m=55
